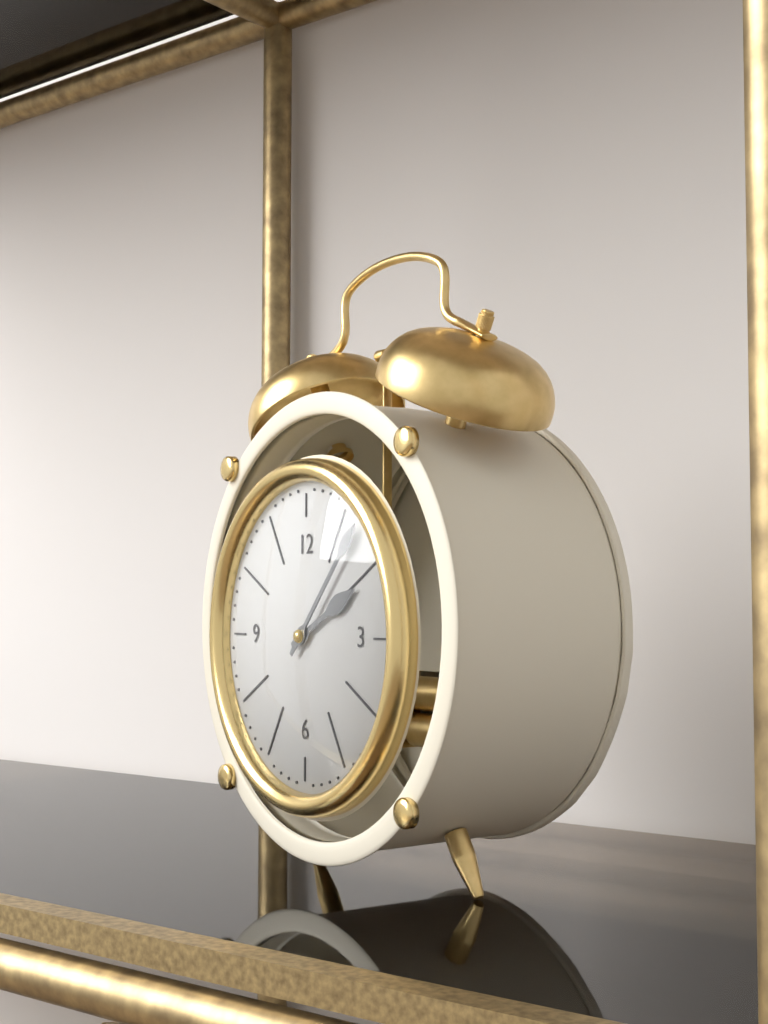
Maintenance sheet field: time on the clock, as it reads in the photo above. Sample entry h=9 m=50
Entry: h=2 m=7
